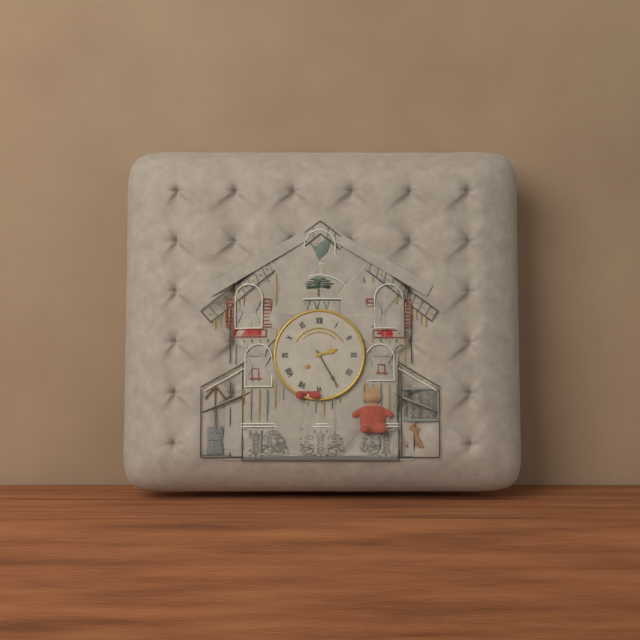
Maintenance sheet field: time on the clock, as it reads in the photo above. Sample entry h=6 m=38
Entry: h=2 m=25
